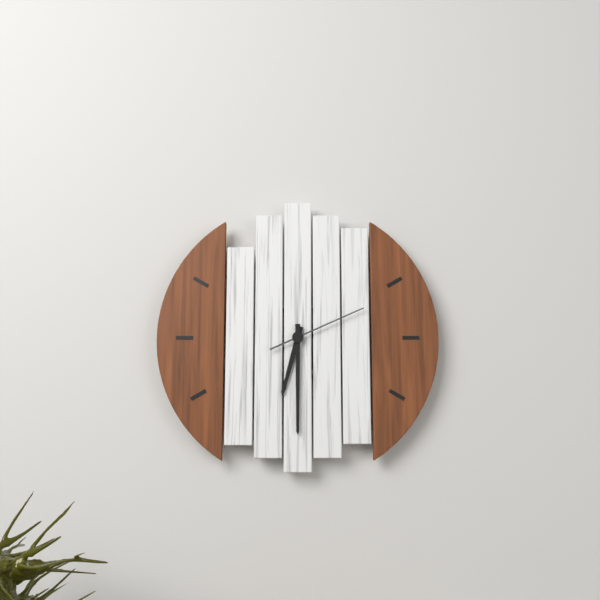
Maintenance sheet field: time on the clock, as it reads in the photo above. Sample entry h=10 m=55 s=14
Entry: h=6 m=30 s=11
